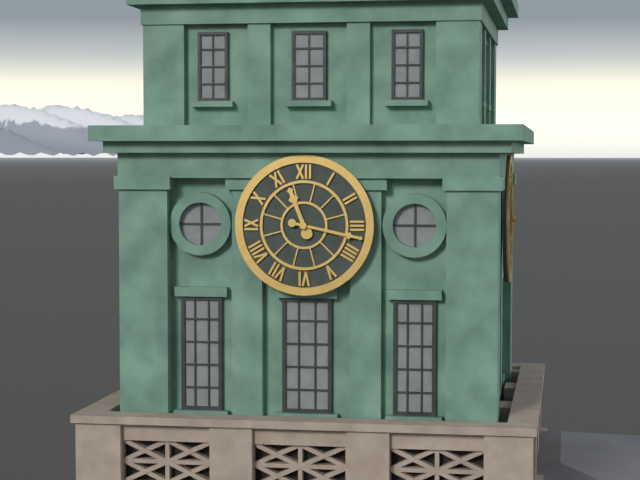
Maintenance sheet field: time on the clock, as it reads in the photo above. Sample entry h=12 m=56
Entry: h=11 m=17
